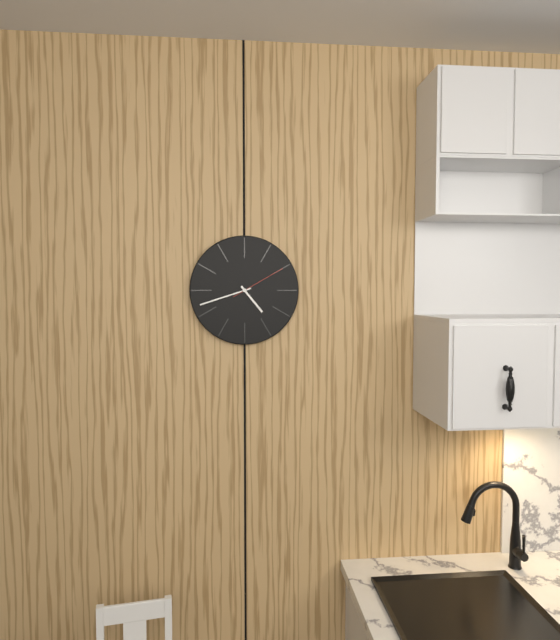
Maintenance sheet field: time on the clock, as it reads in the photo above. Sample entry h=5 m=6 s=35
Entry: h=4 m=42 s=10
